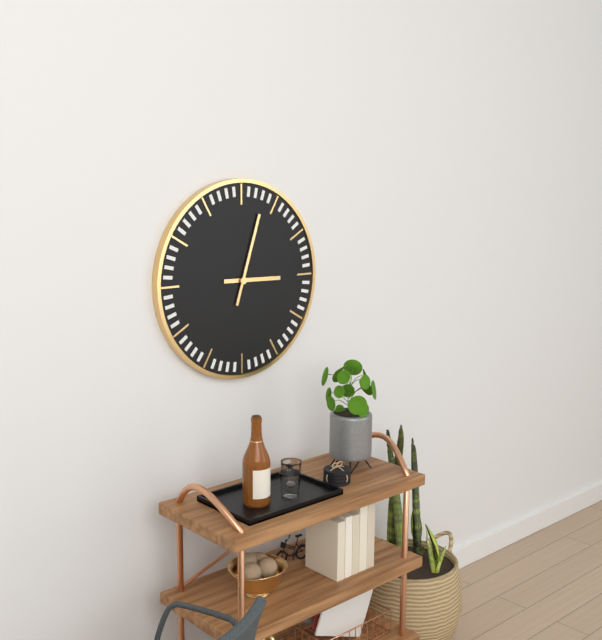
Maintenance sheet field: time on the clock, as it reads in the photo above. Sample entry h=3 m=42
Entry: h=3 m=3
